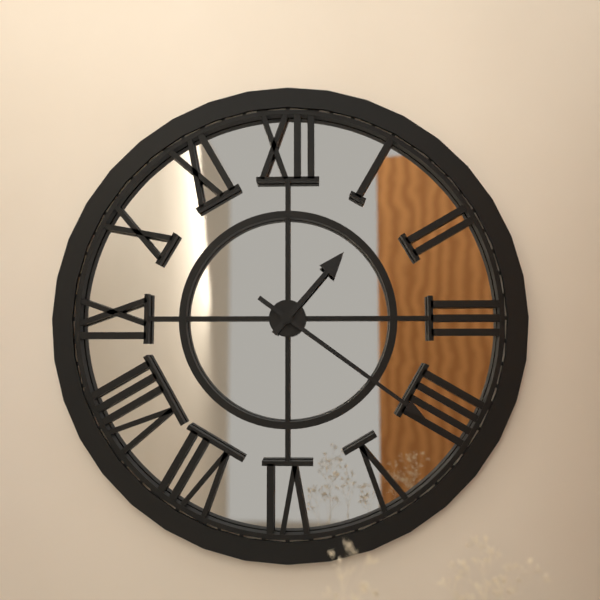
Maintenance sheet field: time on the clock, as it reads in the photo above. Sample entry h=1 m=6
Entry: h=1 m=21
